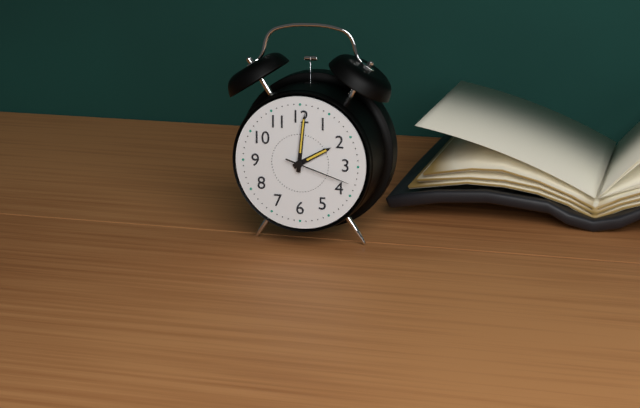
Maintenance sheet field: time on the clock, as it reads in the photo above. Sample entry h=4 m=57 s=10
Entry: h=2 m=1 s=18
